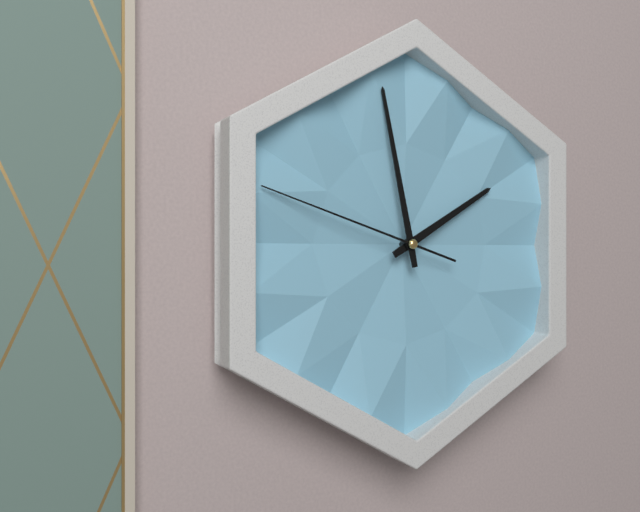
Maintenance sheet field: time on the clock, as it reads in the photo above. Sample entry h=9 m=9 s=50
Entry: h=1 m=58 s=48
